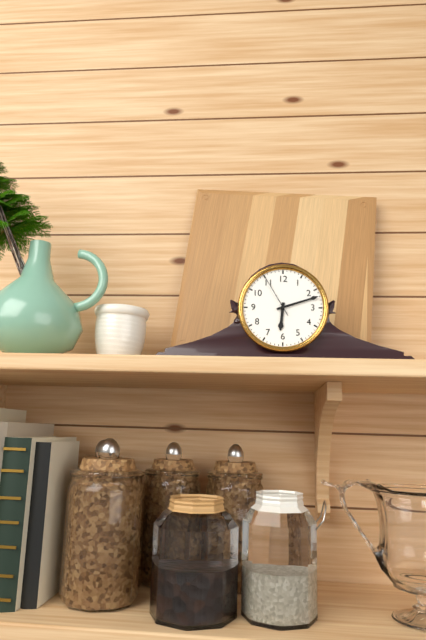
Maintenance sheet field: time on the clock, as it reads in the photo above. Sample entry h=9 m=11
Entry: h=6 m=12
